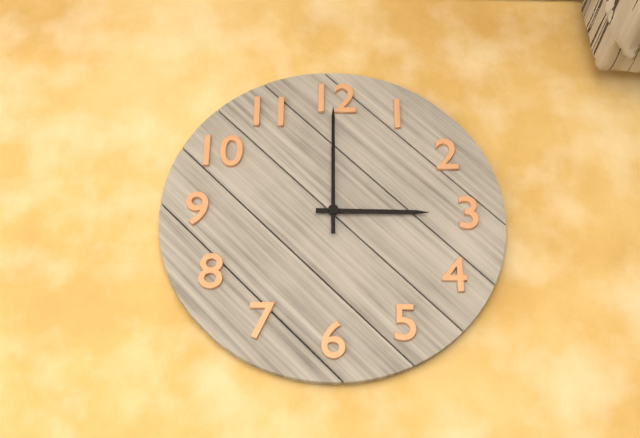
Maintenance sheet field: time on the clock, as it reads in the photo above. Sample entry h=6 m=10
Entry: h=3 m=0
